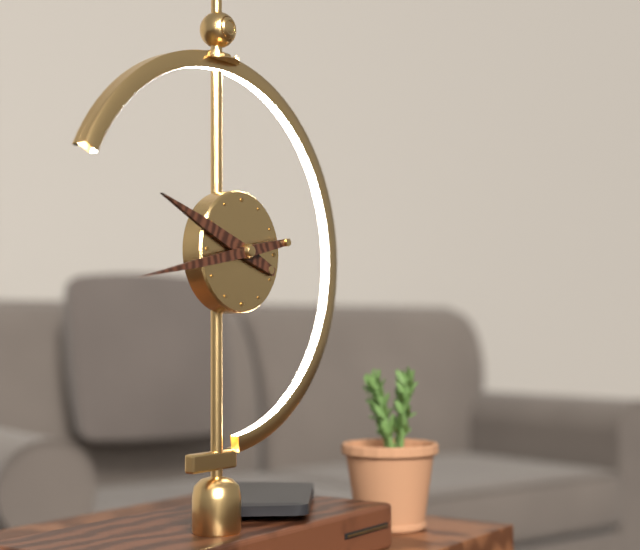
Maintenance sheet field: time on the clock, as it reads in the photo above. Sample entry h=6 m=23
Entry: h=9 m=43
